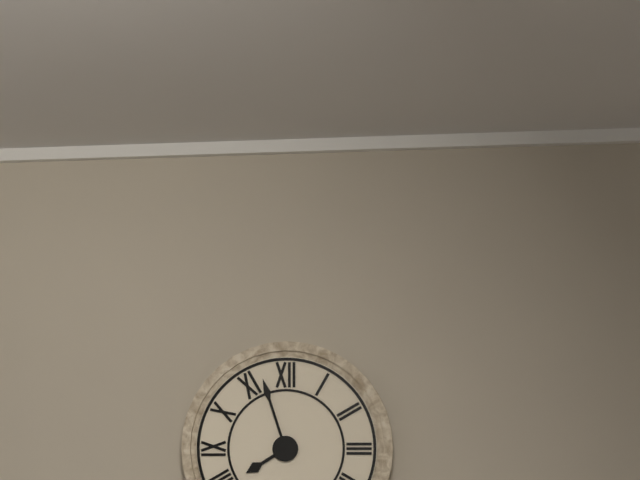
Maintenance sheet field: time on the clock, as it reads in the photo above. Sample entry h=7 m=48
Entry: h=7 m=57
